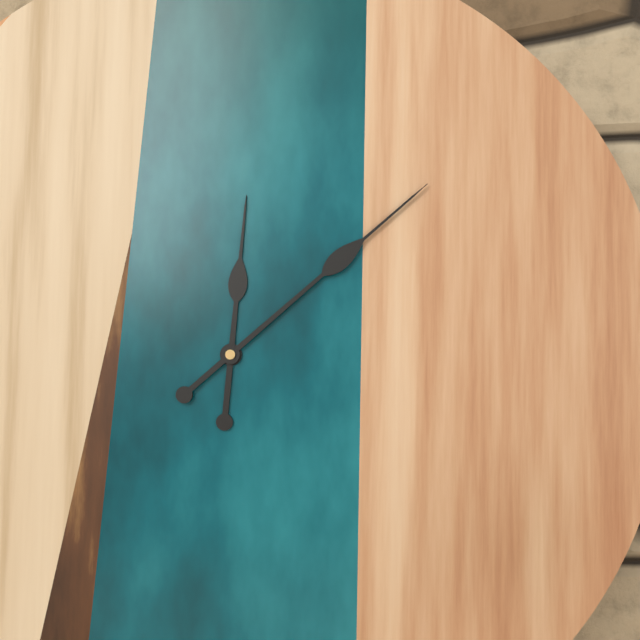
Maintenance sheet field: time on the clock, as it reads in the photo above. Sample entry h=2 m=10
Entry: h=12 m=8
